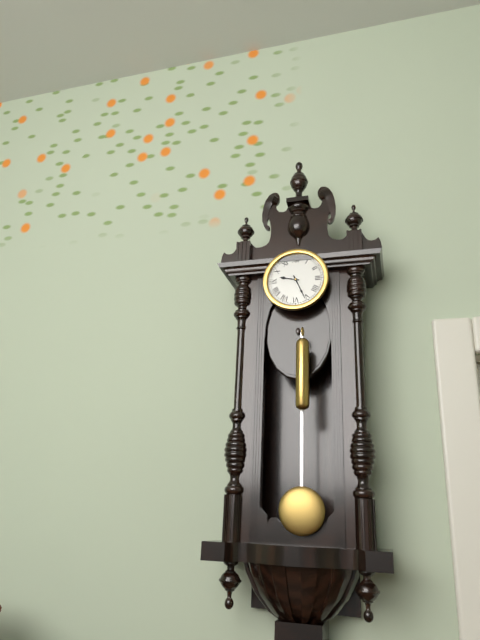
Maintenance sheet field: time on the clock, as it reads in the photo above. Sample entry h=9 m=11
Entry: h=9 m=26
